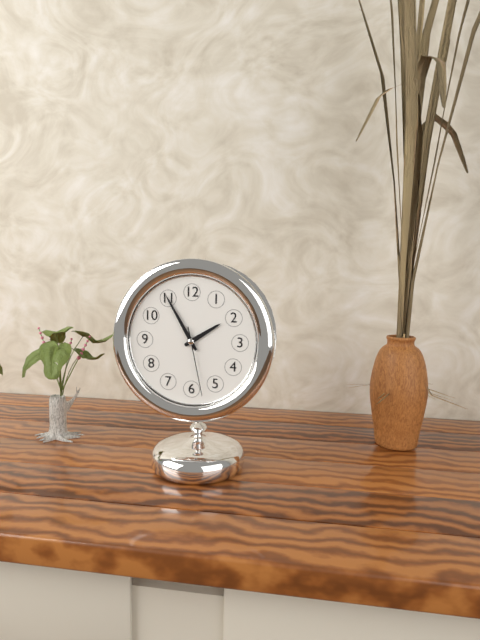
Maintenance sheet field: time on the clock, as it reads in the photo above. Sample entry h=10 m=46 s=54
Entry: h=1 m=55 s=28
